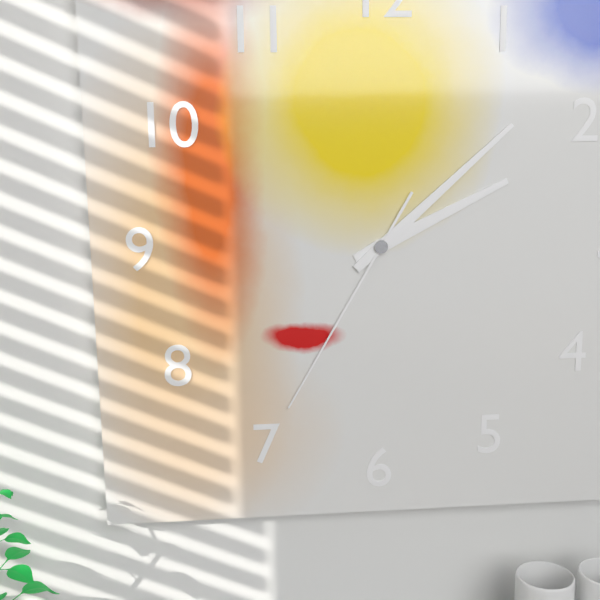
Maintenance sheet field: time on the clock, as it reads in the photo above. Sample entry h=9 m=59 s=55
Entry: h=2 m=8 s=35
